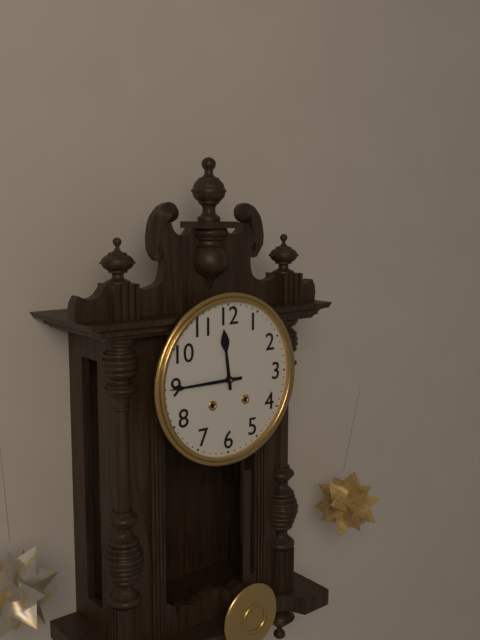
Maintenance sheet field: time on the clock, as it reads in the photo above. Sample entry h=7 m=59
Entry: h=11 m=45
